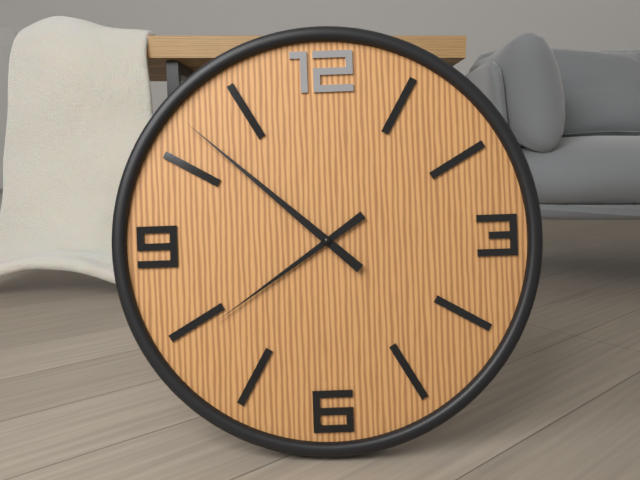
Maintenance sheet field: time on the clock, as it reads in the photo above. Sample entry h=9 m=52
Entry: h=7 m=52
